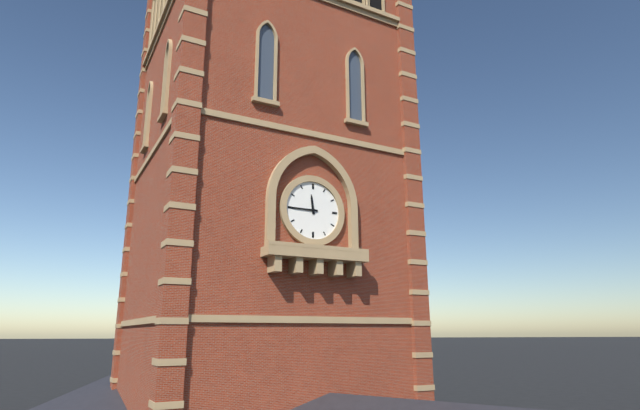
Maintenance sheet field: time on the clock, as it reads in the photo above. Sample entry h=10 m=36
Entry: h=11 m=45
